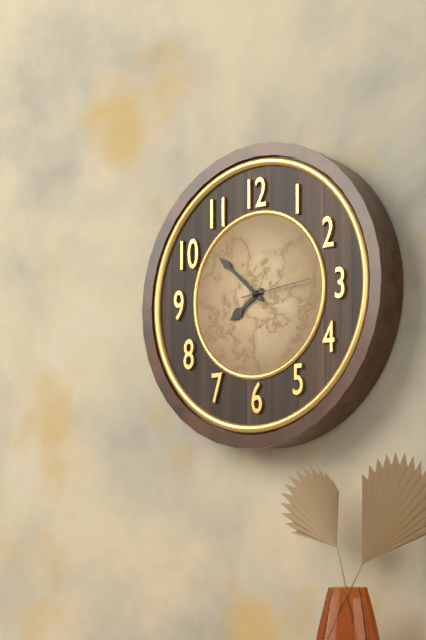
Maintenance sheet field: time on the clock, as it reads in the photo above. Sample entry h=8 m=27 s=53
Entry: h=7 m=52 s=14
